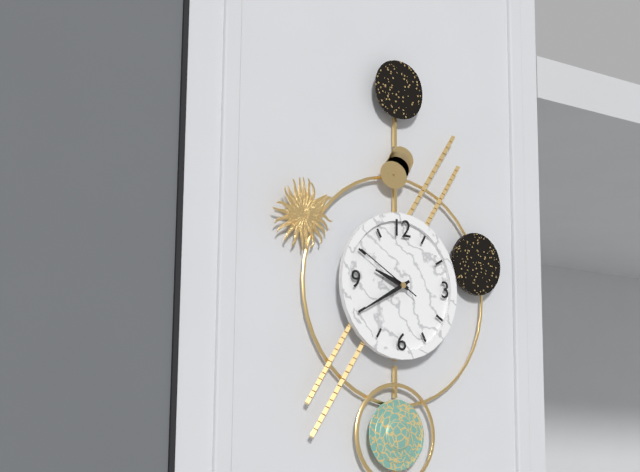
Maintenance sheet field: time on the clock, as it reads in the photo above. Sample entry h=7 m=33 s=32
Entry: h=9 m=40 s=50
